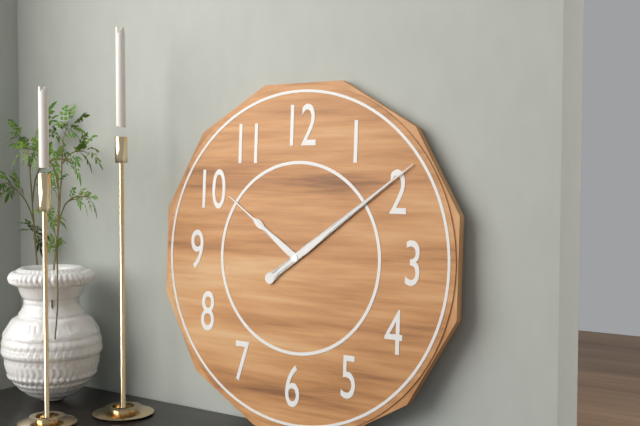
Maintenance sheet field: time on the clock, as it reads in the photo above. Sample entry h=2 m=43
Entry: h=10 m=9
